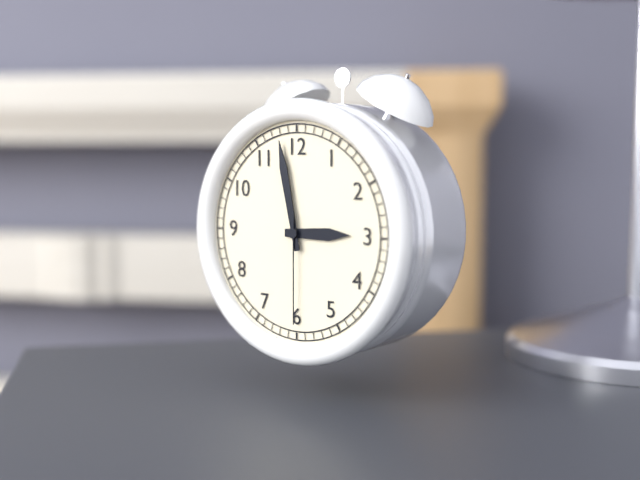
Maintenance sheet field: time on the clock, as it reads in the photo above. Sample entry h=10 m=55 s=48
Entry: h=2 m=58 s=30
